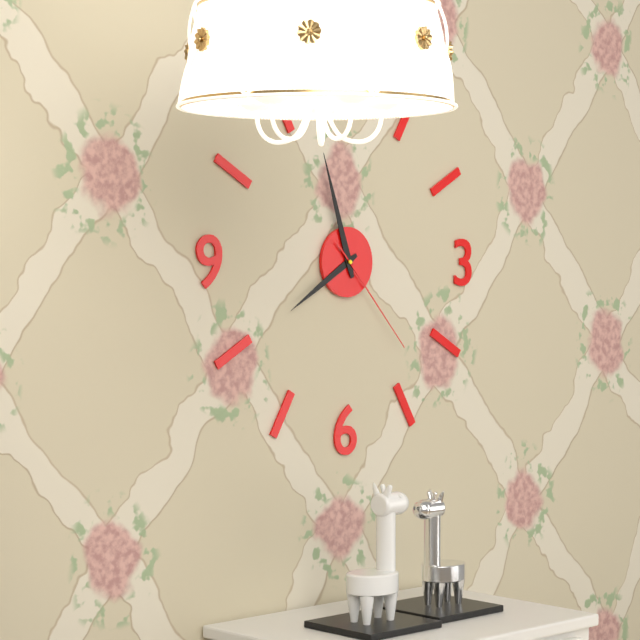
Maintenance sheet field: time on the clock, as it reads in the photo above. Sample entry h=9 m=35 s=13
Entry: h=7 m=57 s=23
